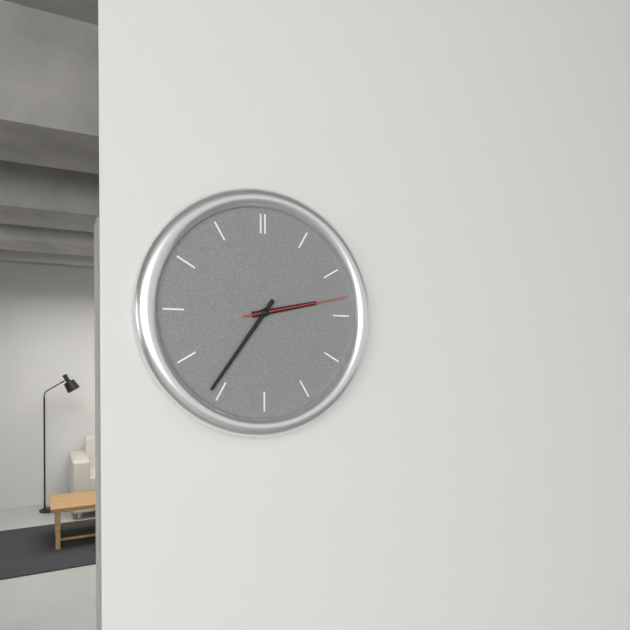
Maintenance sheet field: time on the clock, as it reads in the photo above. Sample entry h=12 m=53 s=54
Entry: h=2 m=36 s=13
